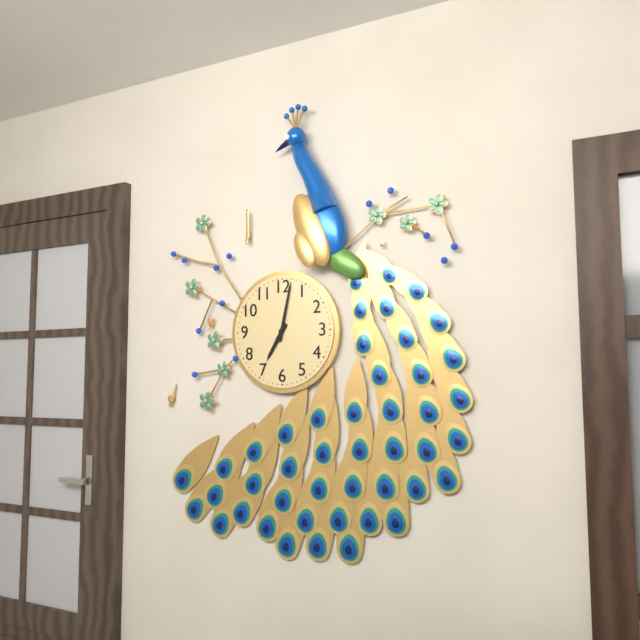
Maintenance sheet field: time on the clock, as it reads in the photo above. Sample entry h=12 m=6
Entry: h=7 m=2
